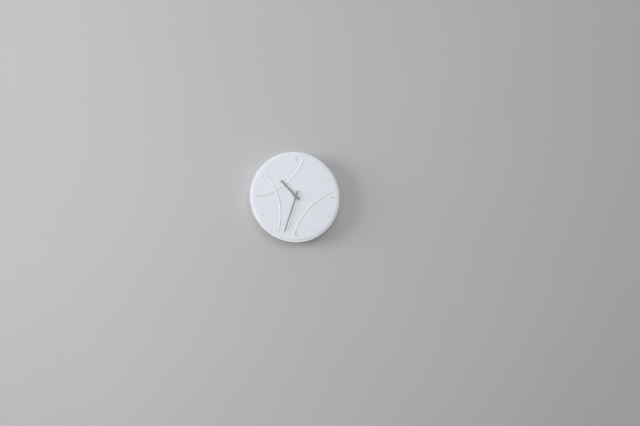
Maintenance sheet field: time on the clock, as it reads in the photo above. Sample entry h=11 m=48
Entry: h=10 m=33
